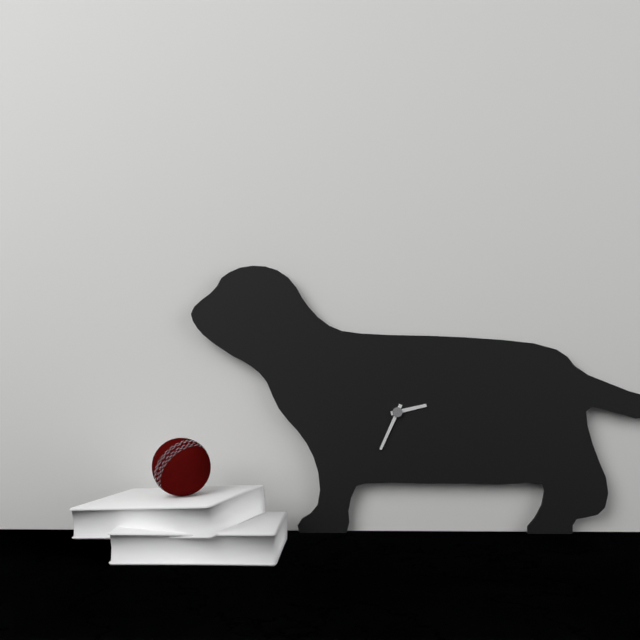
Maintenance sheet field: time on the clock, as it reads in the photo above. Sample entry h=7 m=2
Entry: h=2 m=34
